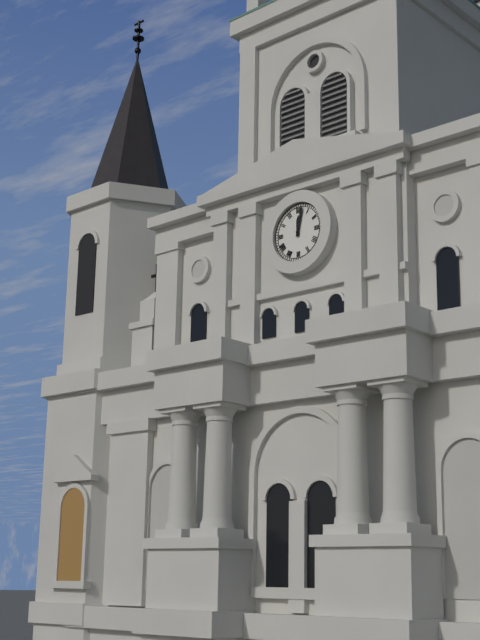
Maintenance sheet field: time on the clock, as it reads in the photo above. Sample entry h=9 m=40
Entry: h=12 m=2
